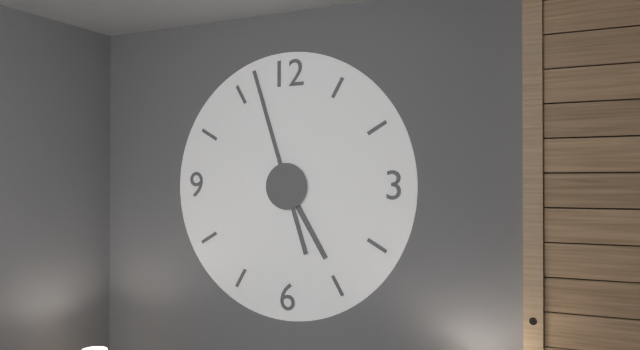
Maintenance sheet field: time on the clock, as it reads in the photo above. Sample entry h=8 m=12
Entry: h=4 m=57
